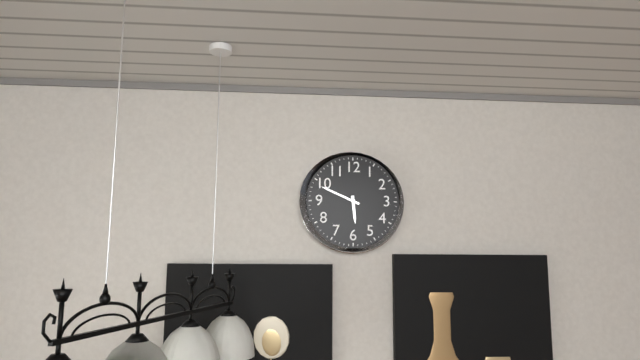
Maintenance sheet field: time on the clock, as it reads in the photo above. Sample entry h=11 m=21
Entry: h=5 m=49
